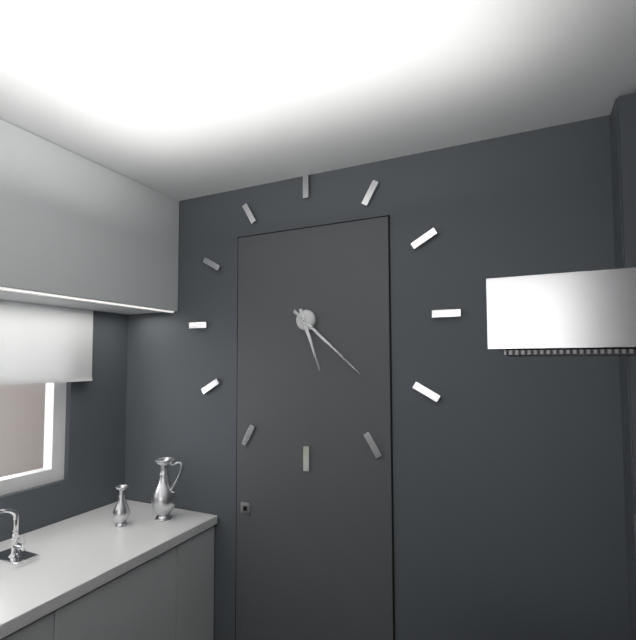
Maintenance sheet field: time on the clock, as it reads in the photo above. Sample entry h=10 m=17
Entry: h=5 m=22
